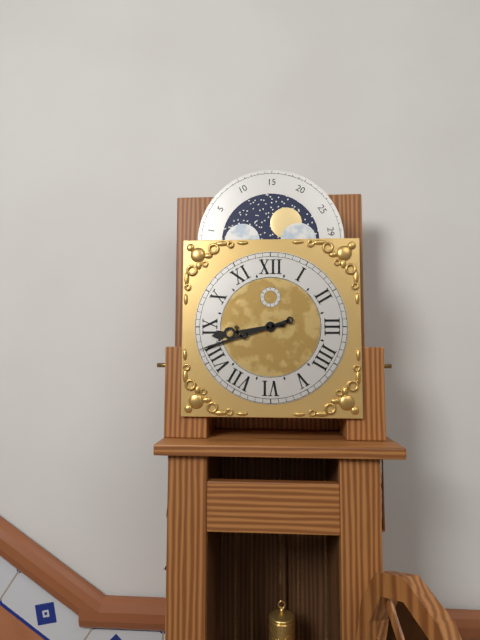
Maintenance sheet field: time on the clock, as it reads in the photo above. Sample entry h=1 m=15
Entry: h=8 m=42
